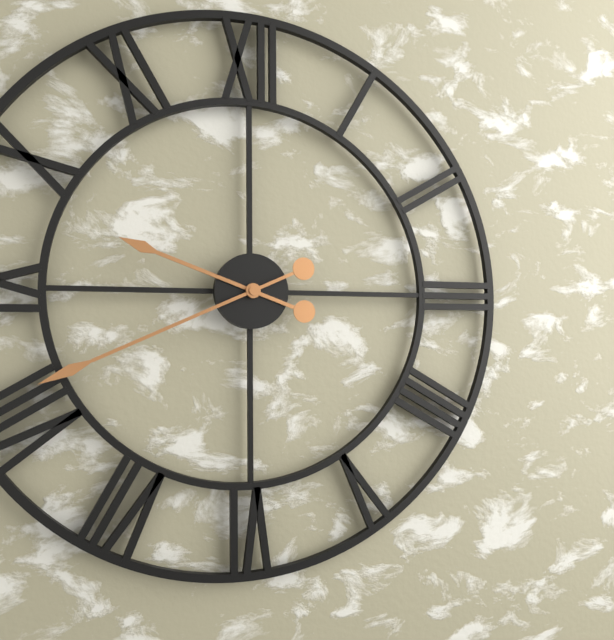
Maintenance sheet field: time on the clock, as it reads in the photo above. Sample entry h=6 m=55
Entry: h=9 m=41
